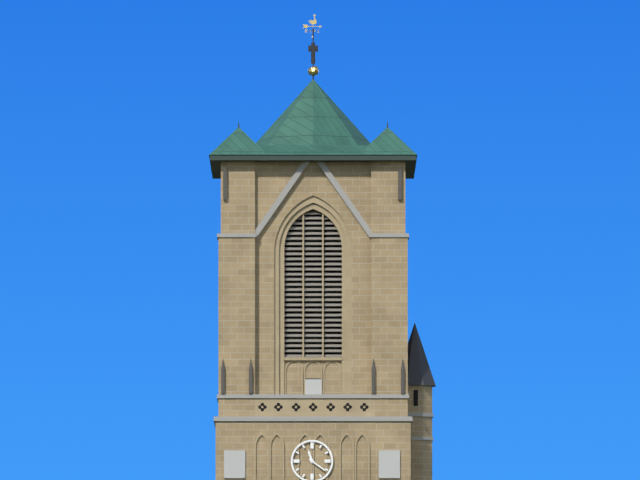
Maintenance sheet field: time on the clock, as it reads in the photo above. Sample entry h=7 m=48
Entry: h=11 m=21
